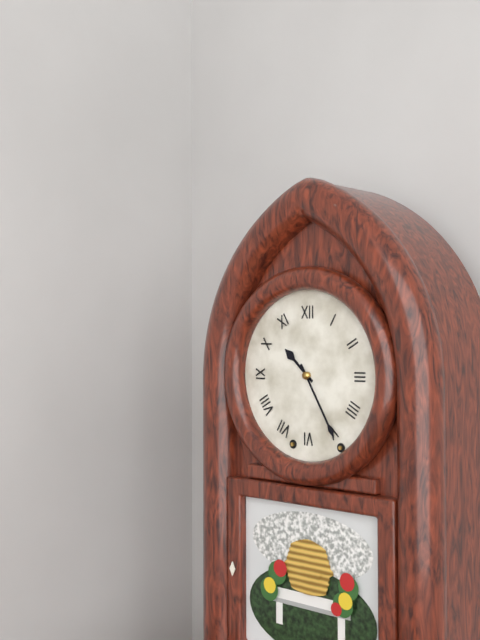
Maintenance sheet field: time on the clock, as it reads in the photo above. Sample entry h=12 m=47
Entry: h=10 m=25
